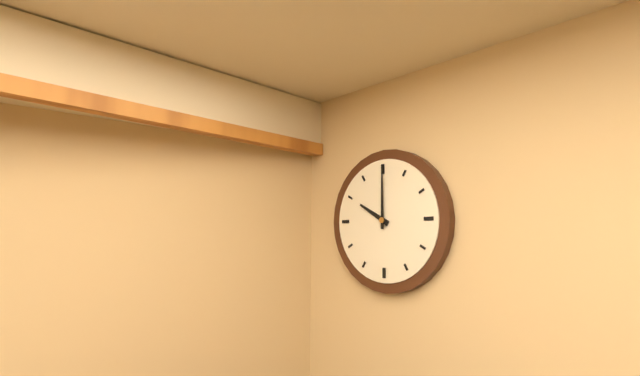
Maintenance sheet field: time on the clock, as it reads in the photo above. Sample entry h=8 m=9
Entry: h=10 m=0
